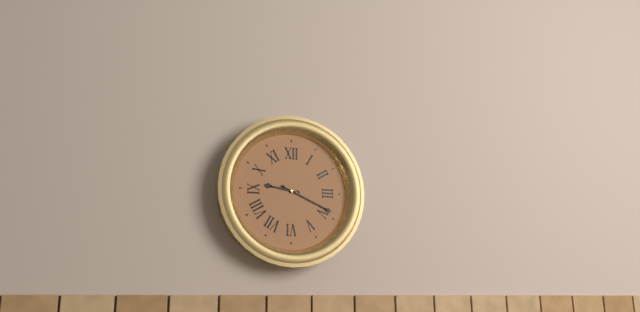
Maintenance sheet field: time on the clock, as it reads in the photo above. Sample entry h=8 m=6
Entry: h=9 m=19
